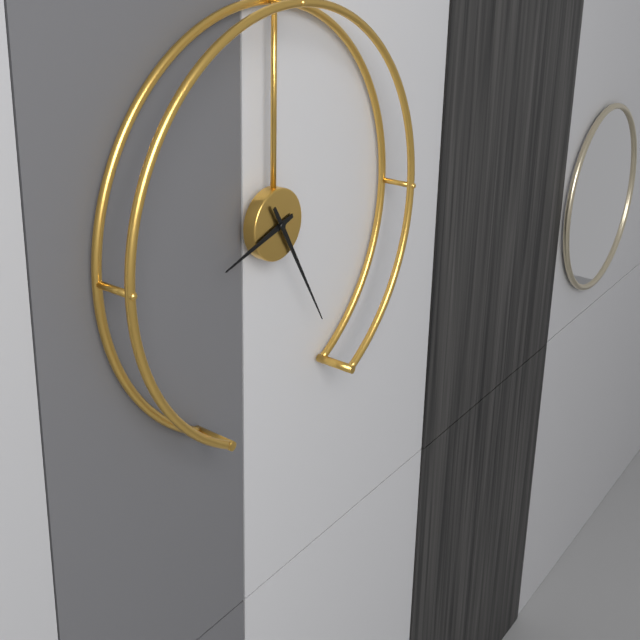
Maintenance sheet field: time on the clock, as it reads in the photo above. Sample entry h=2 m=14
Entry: h=8 m=25
